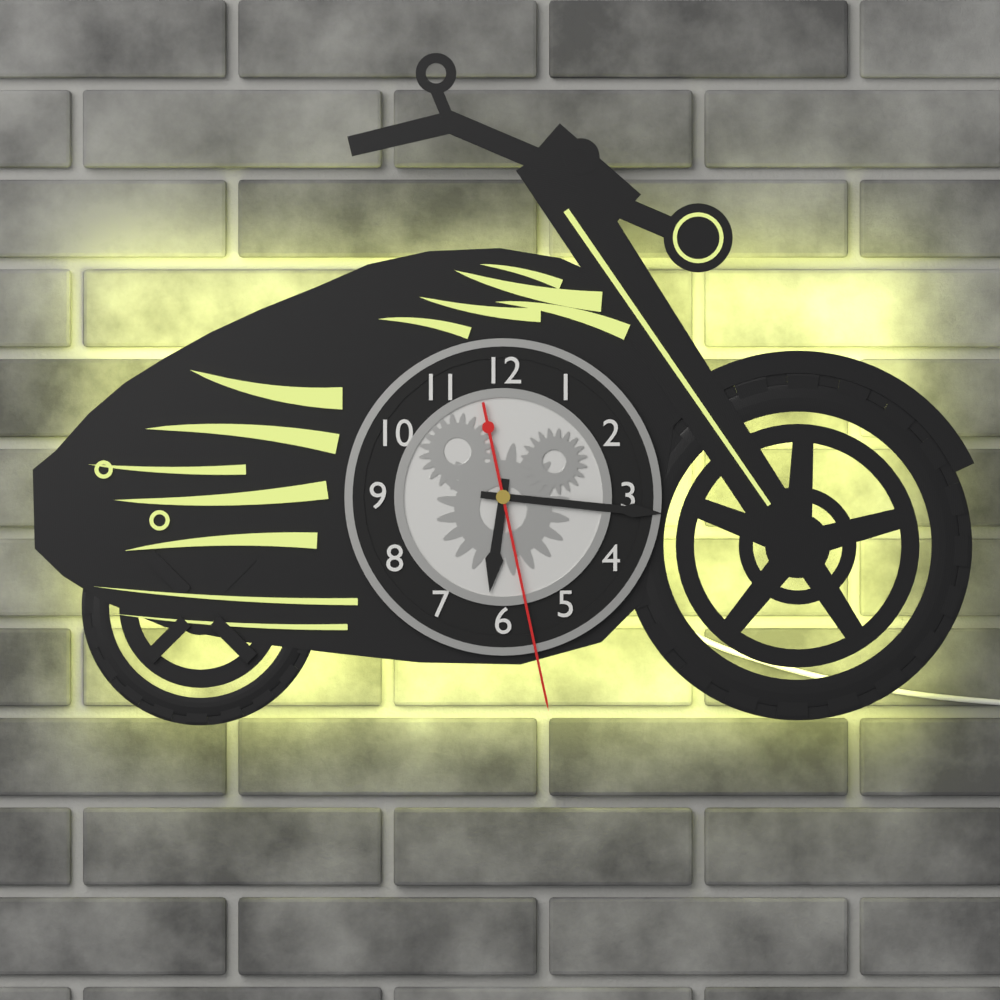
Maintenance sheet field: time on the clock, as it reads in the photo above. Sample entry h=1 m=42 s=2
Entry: h=6 m=16 s=28
